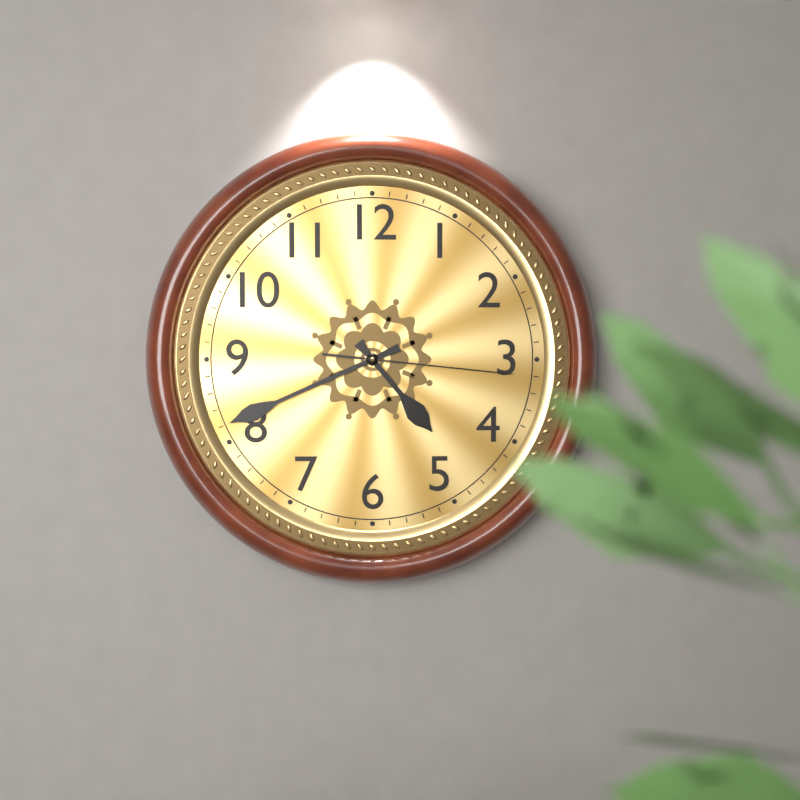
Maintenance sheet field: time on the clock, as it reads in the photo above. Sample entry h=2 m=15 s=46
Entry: h=4 m=41 s=16
